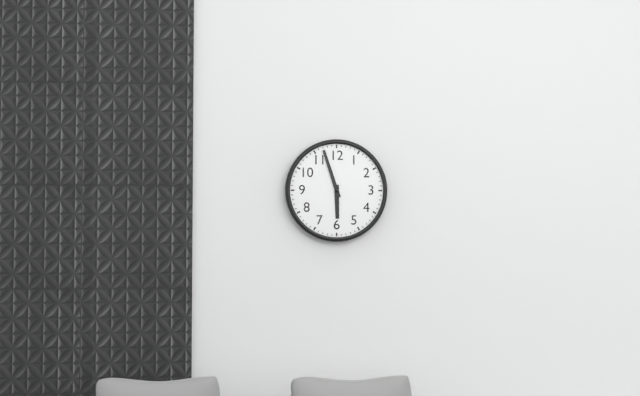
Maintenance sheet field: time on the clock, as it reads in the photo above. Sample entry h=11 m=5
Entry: h=5 m=57
